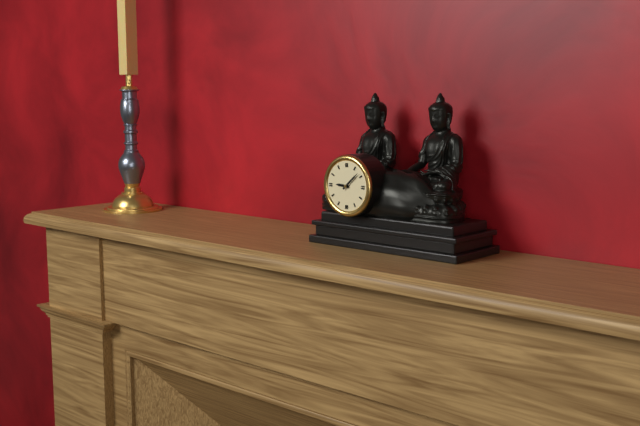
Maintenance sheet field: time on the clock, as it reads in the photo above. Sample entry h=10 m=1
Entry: h=9 m=8
